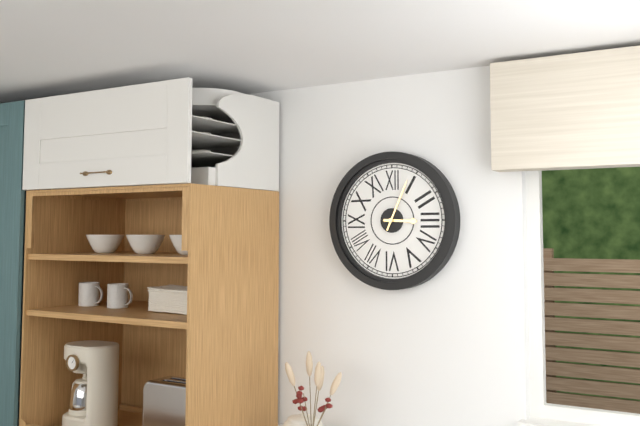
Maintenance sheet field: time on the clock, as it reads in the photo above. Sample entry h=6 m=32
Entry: h=3 m=4
